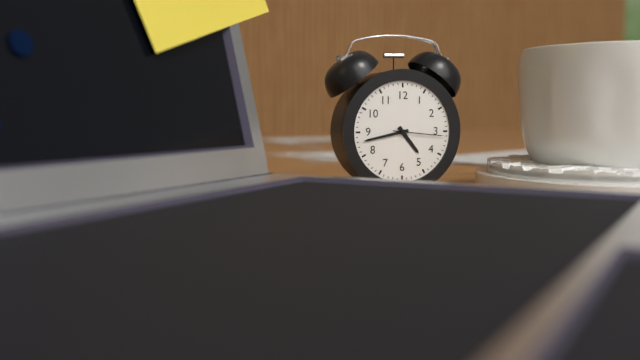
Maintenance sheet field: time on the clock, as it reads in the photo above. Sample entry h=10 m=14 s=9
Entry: h=4 m=43 s=16
